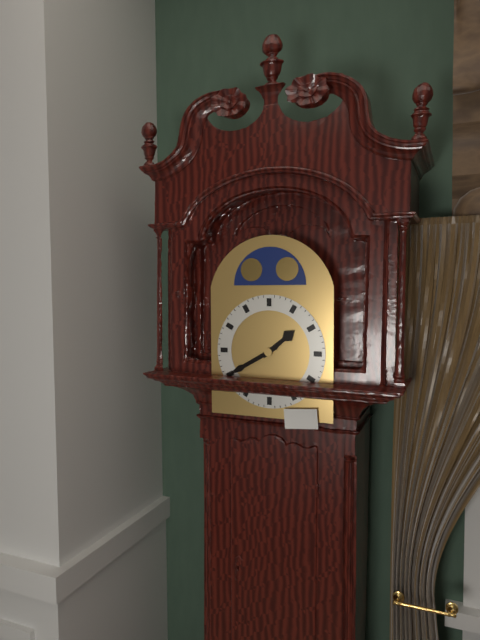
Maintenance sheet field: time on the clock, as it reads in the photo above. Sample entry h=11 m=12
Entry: h=1 m=40
